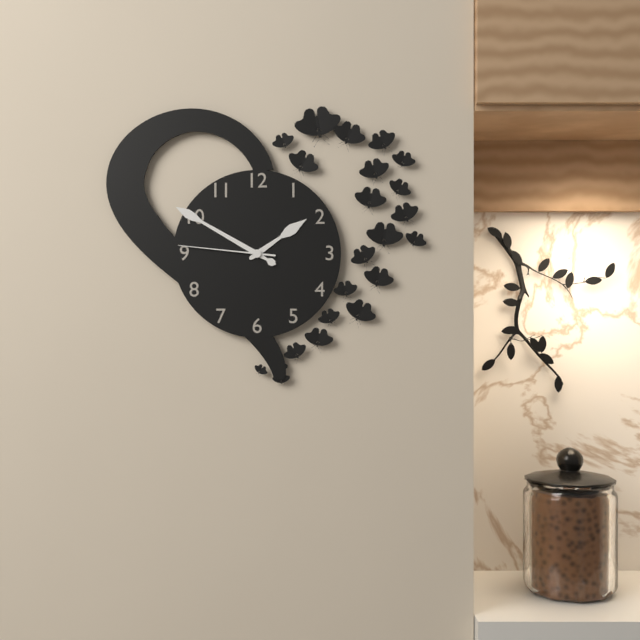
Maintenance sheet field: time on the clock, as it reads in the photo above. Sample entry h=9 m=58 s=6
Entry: h=1 m=50 s=46
